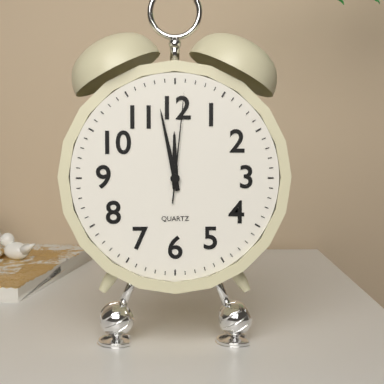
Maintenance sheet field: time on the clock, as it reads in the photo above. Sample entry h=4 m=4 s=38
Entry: h=11 m=58 s=1
